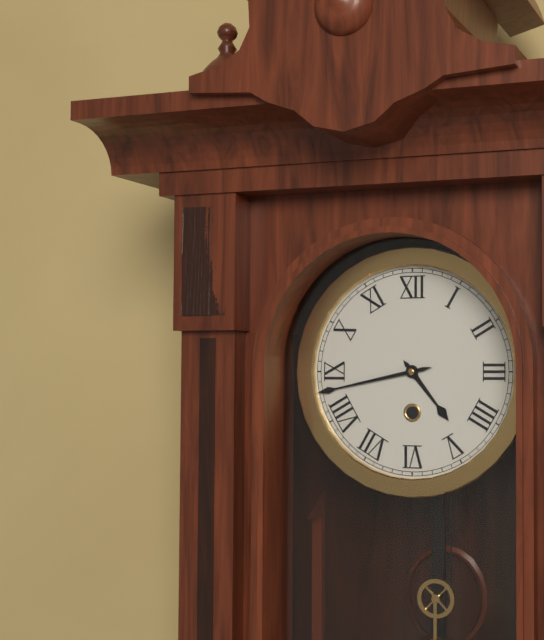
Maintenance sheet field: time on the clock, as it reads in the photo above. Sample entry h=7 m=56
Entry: h=4 m=43
